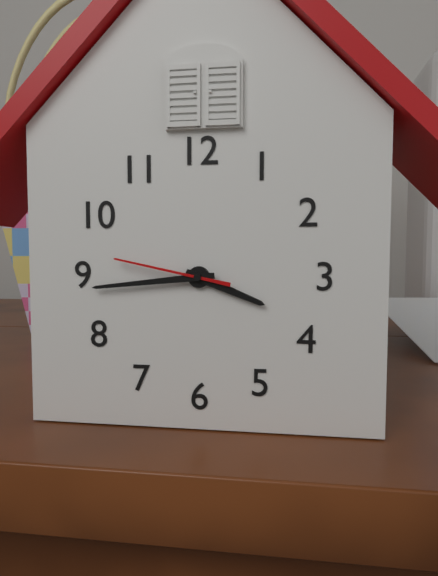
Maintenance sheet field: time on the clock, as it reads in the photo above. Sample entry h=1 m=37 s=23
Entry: h=3 m=44 s=47
